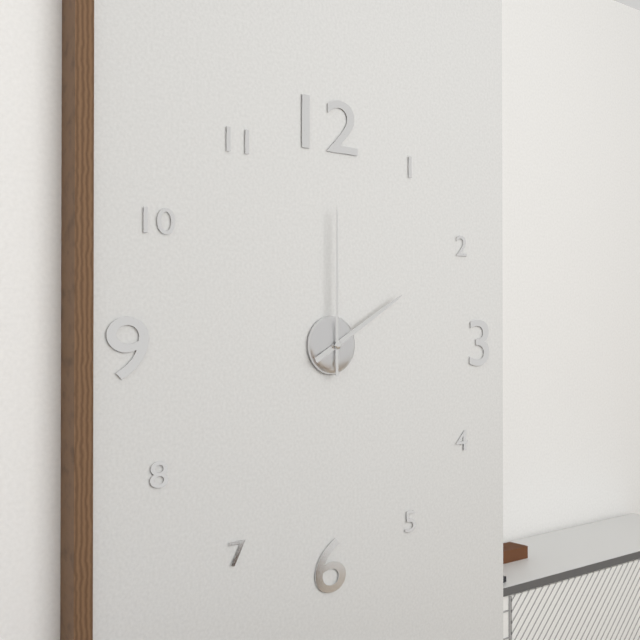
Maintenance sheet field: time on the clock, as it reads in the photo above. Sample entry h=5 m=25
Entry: h=2 m=0
